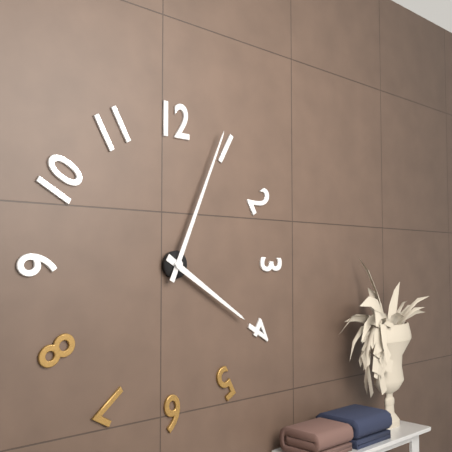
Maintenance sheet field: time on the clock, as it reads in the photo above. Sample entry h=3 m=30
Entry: h=4 m=4
